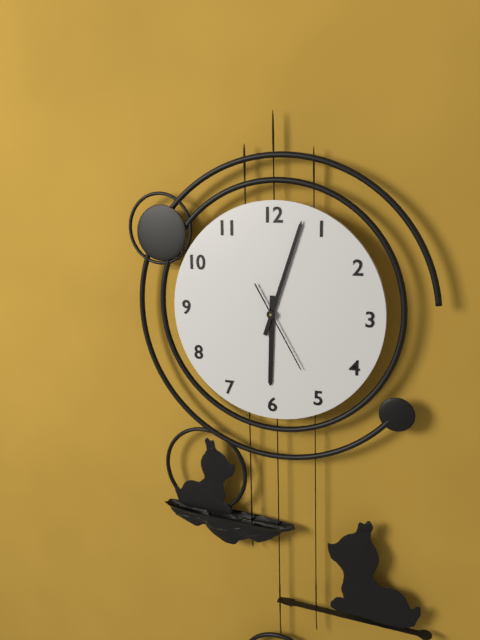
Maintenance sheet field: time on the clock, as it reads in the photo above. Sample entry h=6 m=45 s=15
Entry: h=6 m=3 s=25
